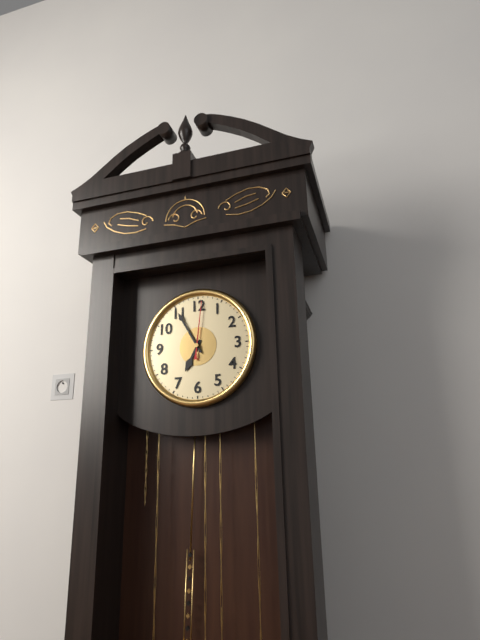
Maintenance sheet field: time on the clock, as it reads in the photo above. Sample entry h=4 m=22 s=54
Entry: h=6 m=55 s=1
